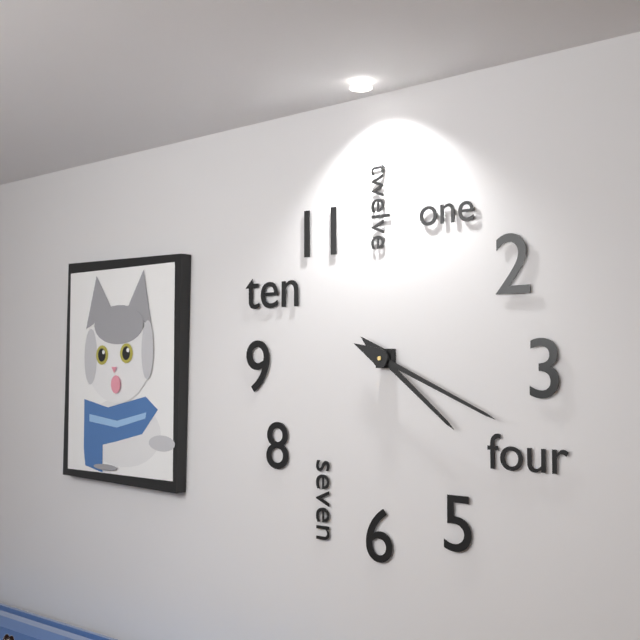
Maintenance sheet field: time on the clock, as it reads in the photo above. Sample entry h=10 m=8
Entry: h=4 m=19
